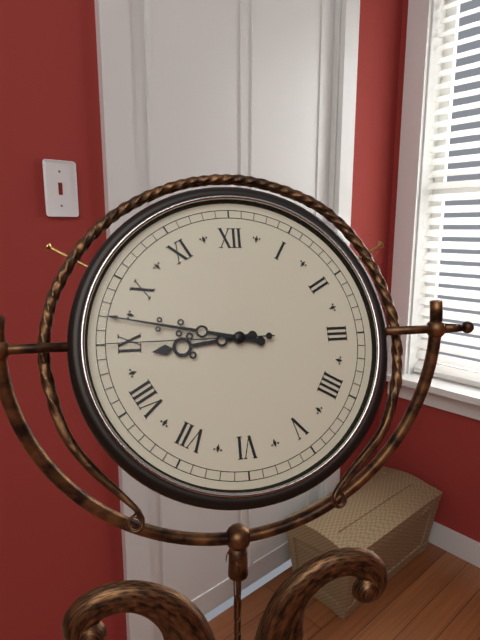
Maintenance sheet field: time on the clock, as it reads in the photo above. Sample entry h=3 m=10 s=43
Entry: h=8 m=47 s=45
